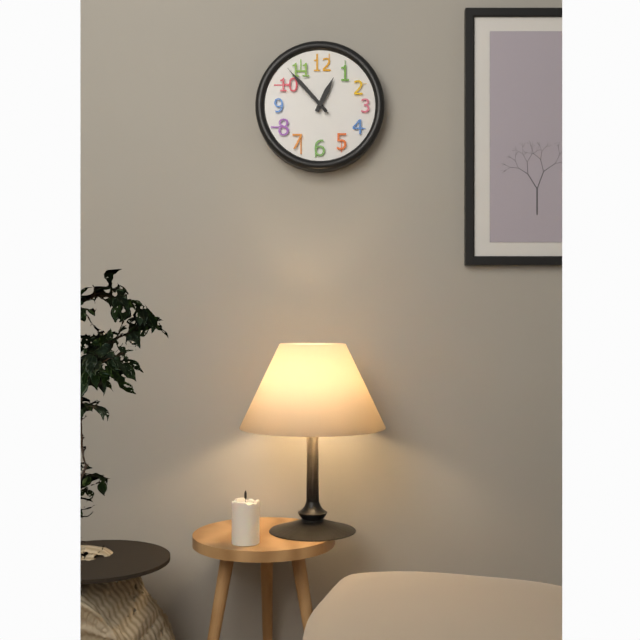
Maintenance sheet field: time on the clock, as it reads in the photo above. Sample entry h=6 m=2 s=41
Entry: h=12 m=53 s=53
